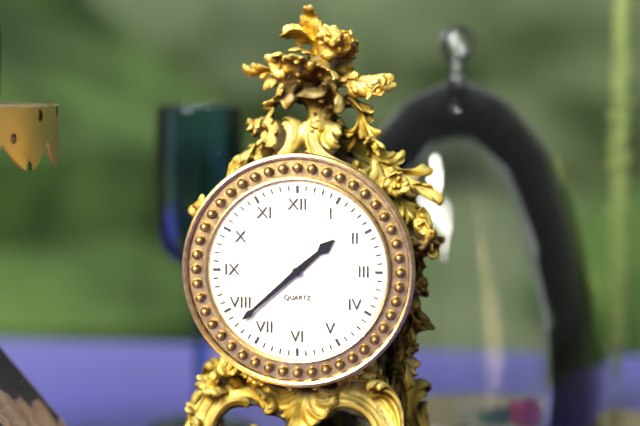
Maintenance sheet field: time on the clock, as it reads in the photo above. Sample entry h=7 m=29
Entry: h=1 m=38
